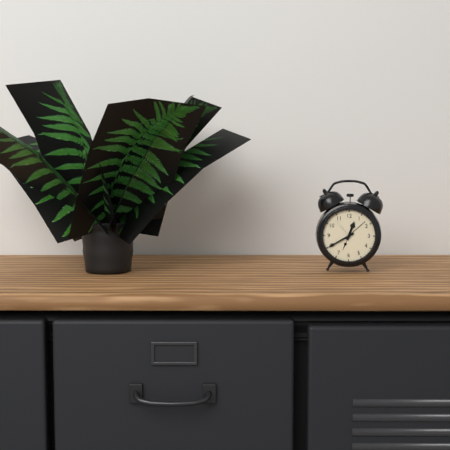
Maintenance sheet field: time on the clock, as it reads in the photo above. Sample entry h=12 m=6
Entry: h=12 m=40
